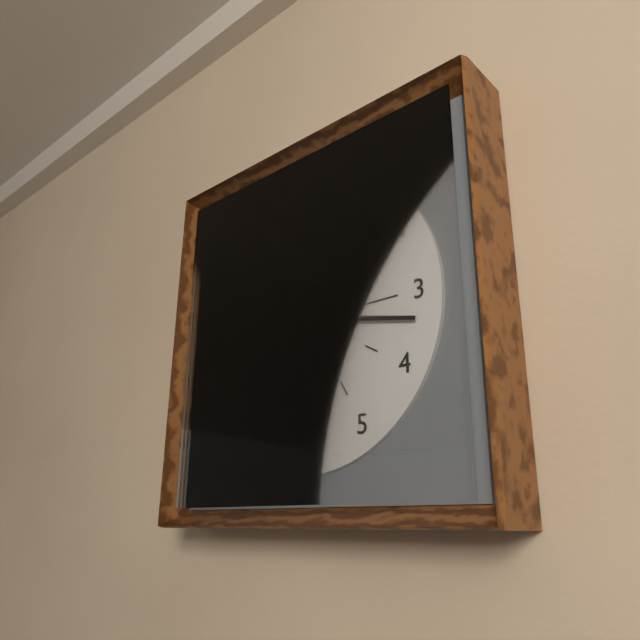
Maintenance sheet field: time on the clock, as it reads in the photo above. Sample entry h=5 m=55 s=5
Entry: h=8 m=17 s=1
